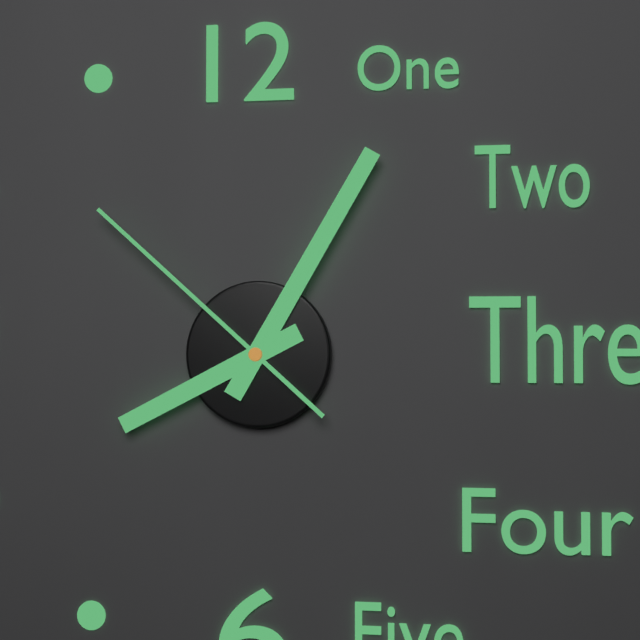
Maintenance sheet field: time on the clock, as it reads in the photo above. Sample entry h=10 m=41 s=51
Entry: h=8 m=5 s=52
